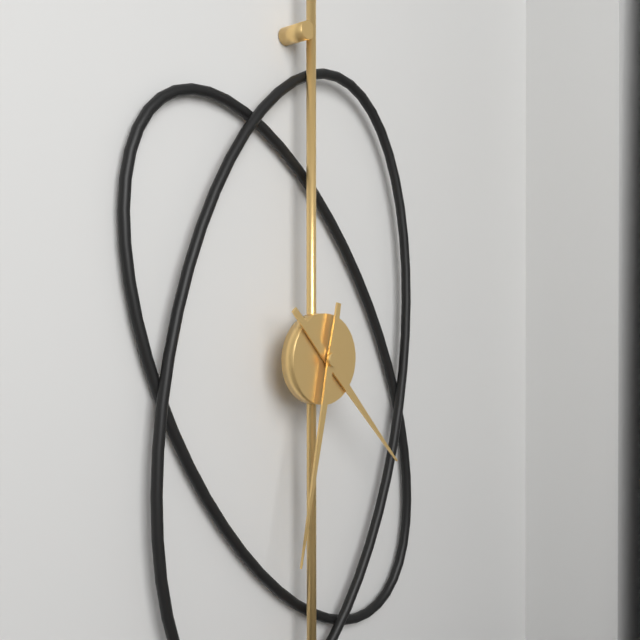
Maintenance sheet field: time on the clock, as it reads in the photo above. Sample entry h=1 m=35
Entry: h=4 m=32
